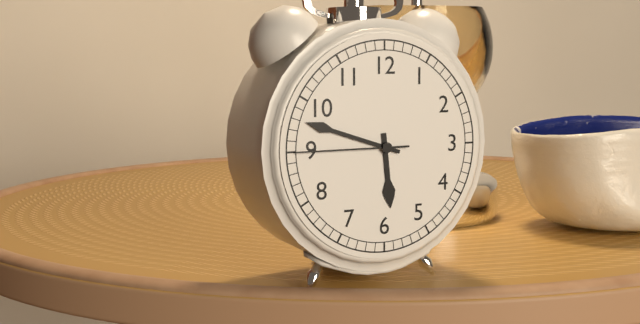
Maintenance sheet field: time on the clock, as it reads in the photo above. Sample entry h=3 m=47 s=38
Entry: h=5 m=48 s=45
